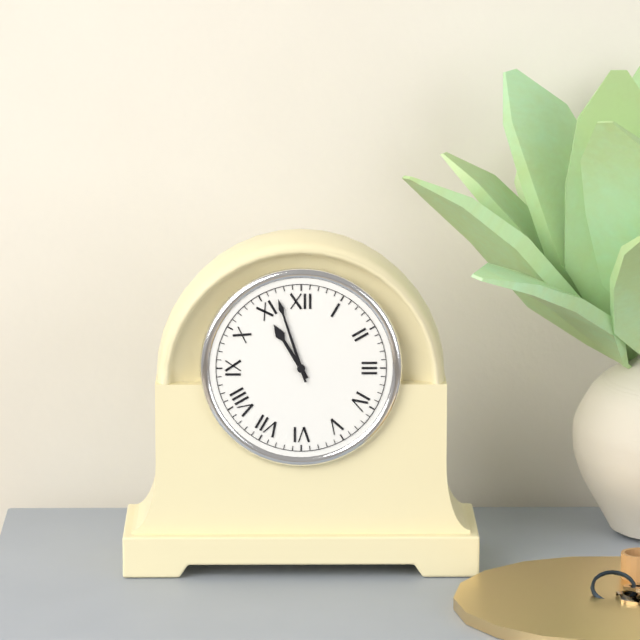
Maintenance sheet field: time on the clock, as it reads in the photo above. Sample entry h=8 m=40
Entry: h=10 m=57
